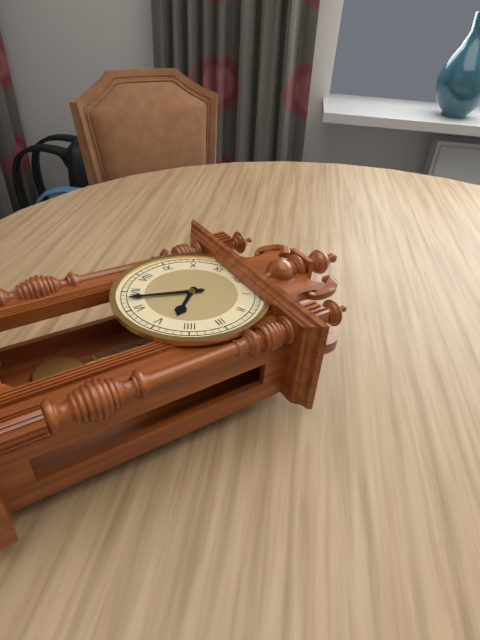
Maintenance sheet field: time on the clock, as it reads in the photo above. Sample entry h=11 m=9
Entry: h=4 m=33
